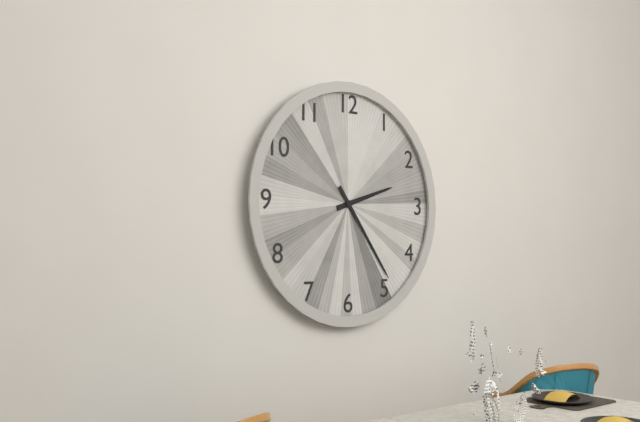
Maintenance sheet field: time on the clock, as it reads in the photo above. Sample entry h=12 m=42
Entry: h=2 m=24
